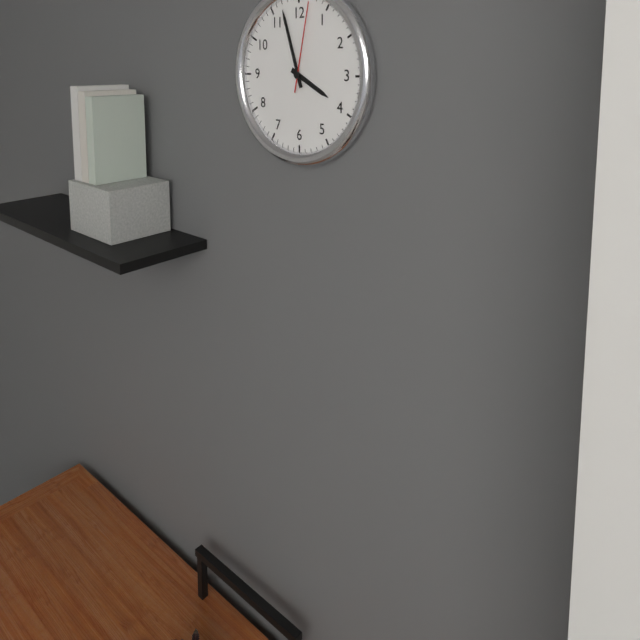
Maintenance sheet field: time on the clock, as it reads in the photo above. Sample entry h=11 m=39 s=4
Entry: h=3 m=57 s=2
